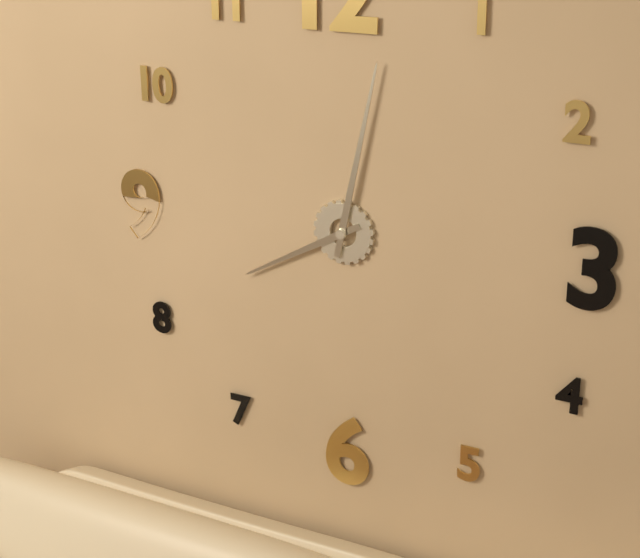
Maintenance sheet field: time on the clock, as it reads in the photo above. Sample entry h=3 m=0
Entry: h=8 m=2
